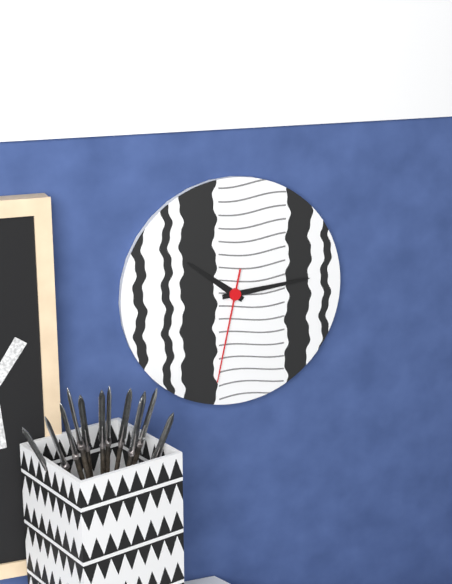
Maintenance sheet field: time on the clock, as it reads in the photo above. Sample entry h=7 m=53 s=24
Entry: h=10 m=14 s=32
